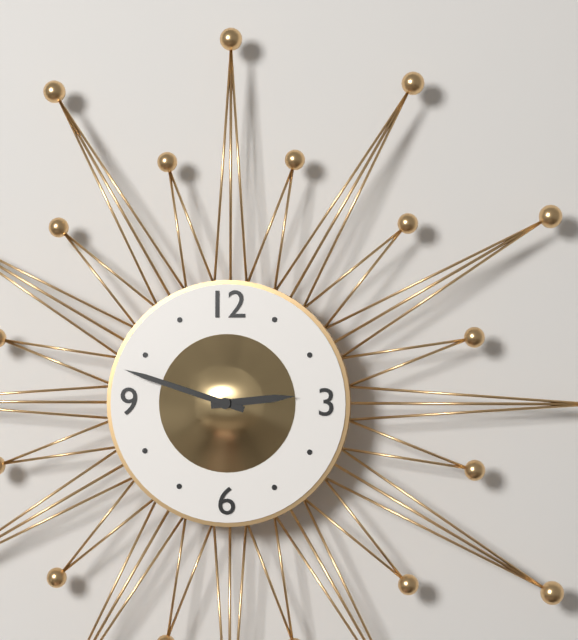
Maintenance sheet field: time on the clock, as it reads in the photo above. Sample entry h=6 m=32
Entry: h=2 m=48
